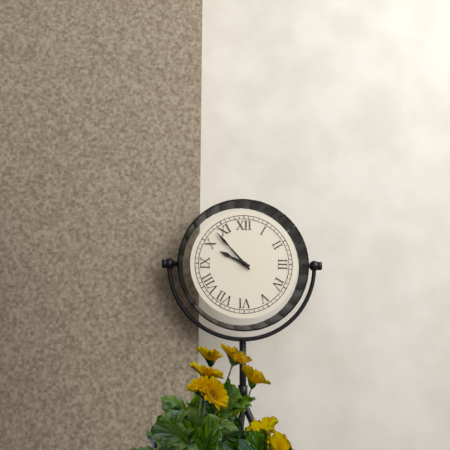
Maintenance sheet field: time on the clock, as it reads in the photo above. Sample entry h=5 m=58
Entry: h=9 m=53
